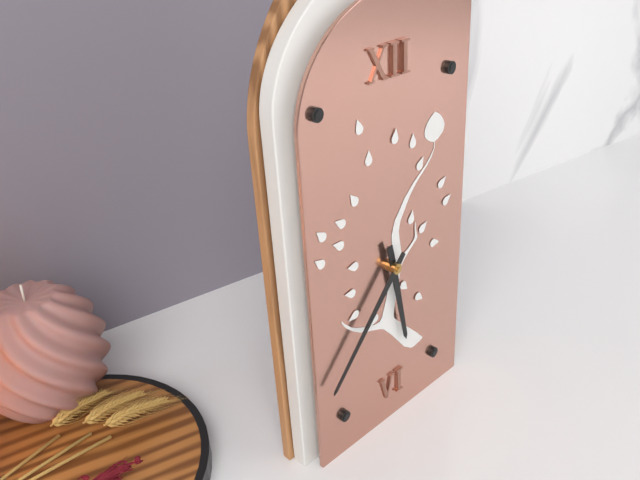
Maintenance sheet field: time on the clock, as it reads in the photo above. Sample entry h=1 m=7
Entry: h=5 m=37
